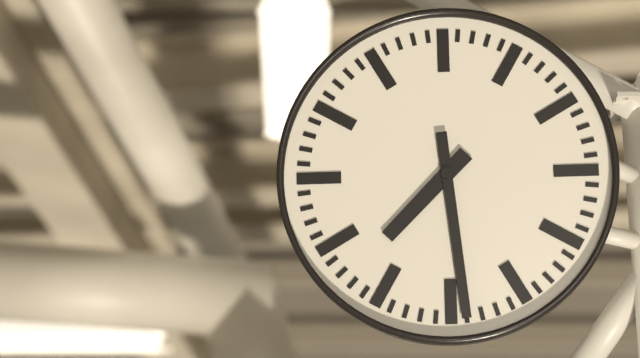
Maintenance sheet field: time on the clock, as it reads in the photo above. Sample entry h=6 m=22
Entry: h=7 m=29
